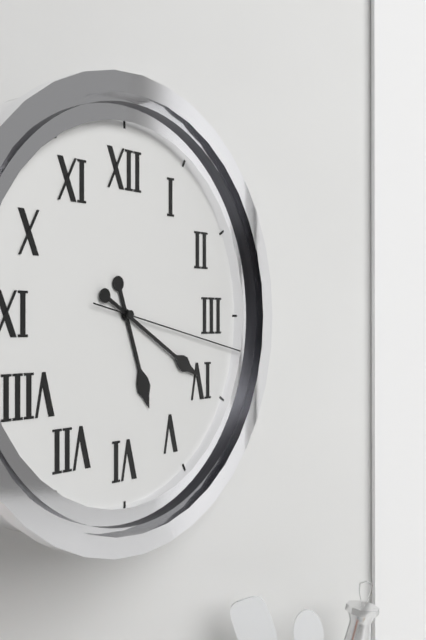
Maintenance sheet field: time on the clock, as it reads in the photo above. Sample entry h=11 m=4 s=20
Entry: h=5 m=20 s=17
